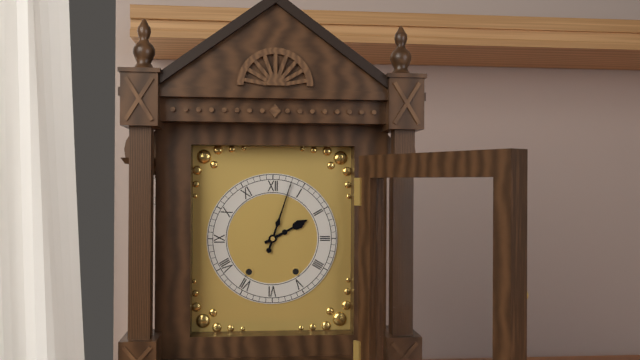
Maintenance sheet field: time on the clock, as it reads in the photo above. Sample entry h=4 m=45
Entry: h=2 m=3
